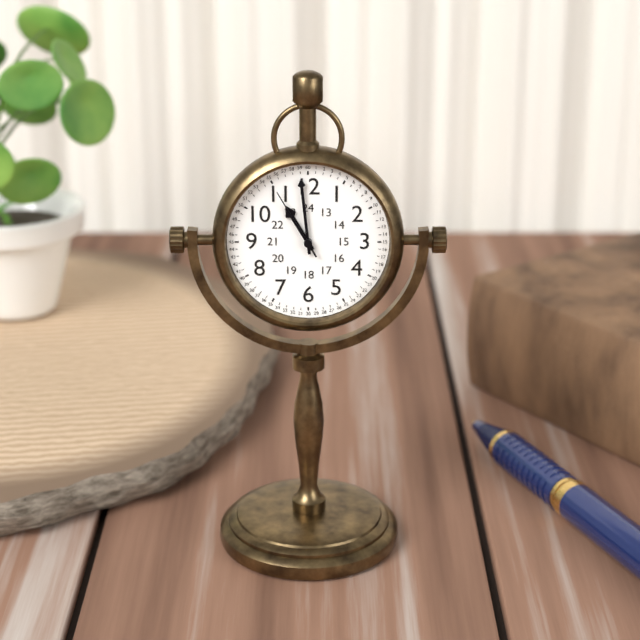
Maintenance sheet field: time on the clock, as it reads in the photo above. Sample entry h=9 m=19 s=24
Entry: h=10 m=59 s=55
